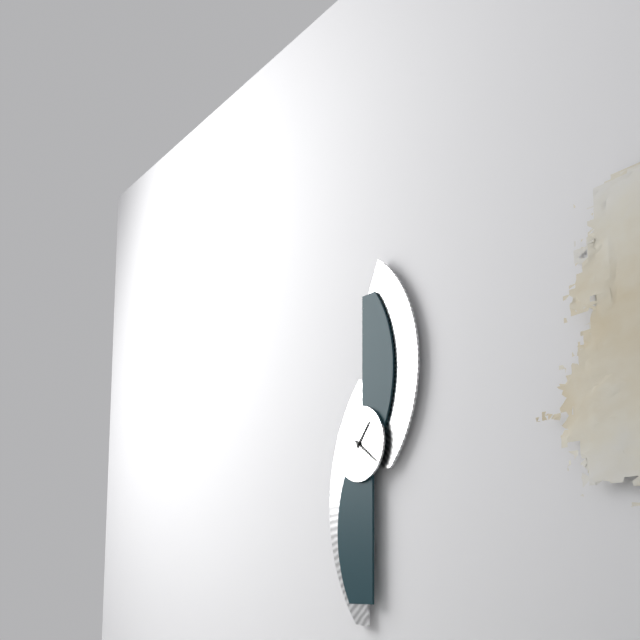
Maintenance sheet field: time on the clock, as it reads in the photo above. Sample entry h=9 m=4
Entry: h=1 m=21
